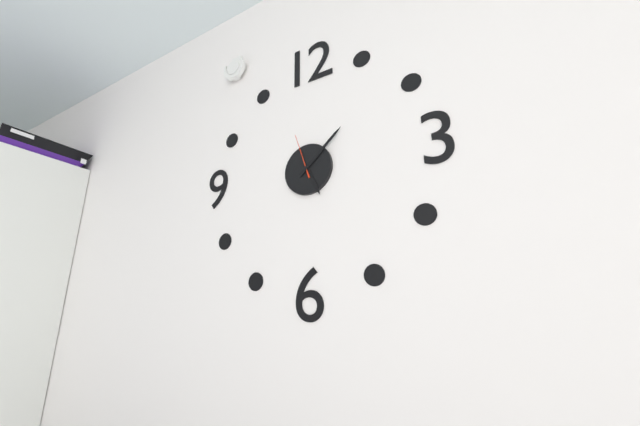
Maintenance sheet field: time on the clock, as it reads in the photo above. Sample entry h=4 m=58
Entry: h=5 m=8
